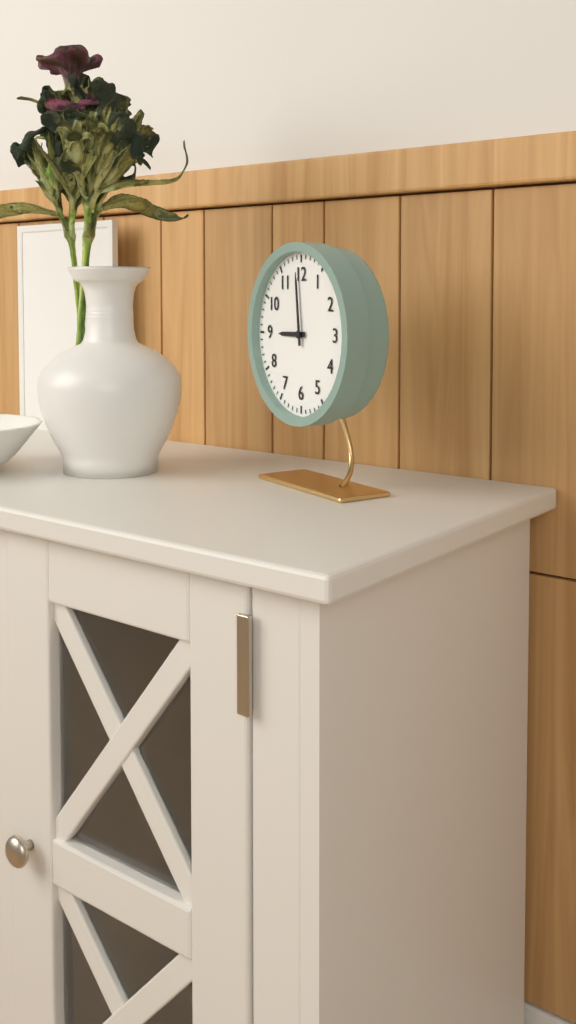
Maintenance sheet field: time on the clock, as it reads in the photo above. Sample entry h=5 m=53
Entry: h=8 m=59
